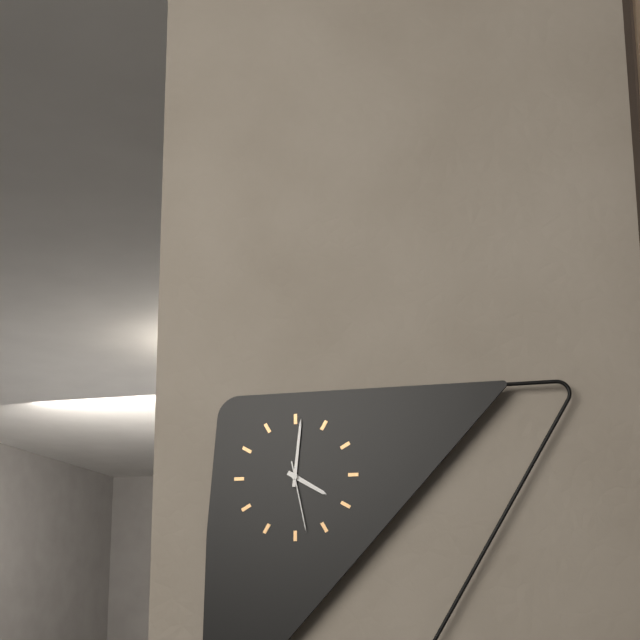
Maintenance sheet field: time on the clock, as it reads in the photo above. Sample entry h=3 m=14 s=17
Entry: h=4 m=1 s=28
